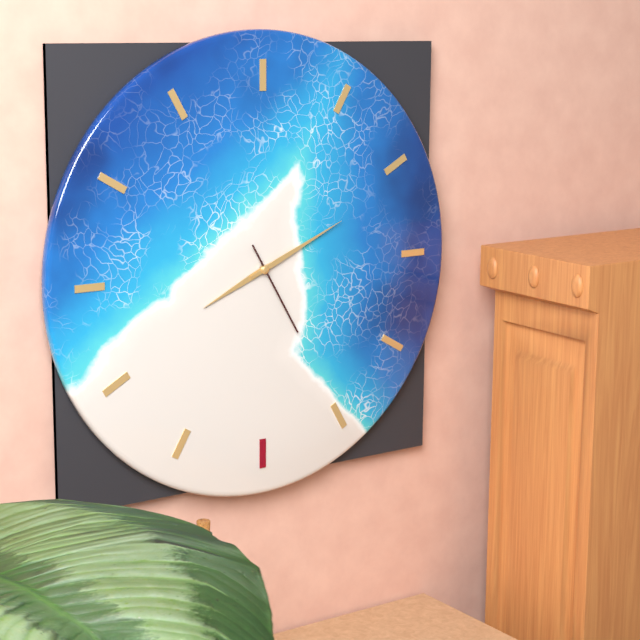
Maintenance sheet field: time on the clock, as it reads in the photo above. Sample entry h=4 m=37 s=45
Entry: h=8 m=11 s=25
